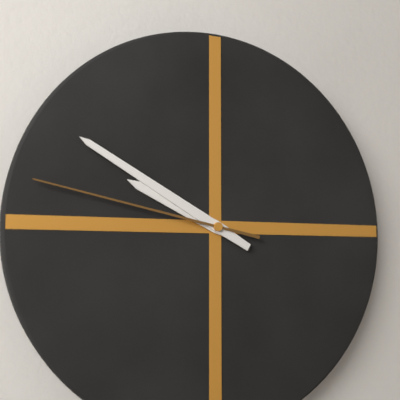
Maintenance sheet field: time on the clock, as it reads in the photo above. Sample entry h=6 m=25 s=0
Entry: h=9 m=50 s=47
